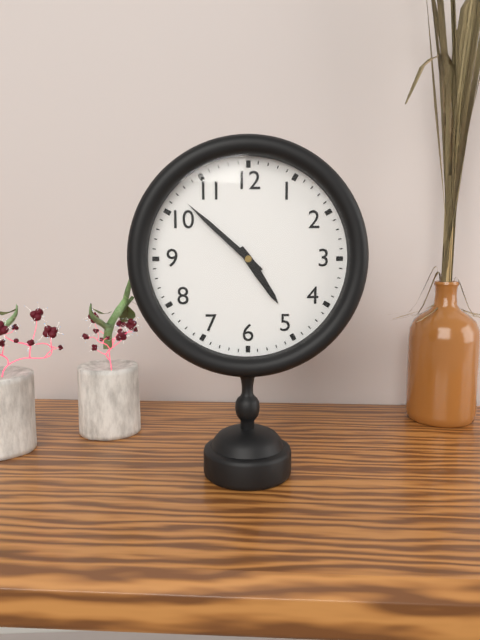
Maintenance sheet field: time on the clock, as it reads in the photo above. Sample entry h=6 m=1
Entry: h=4 m=52
